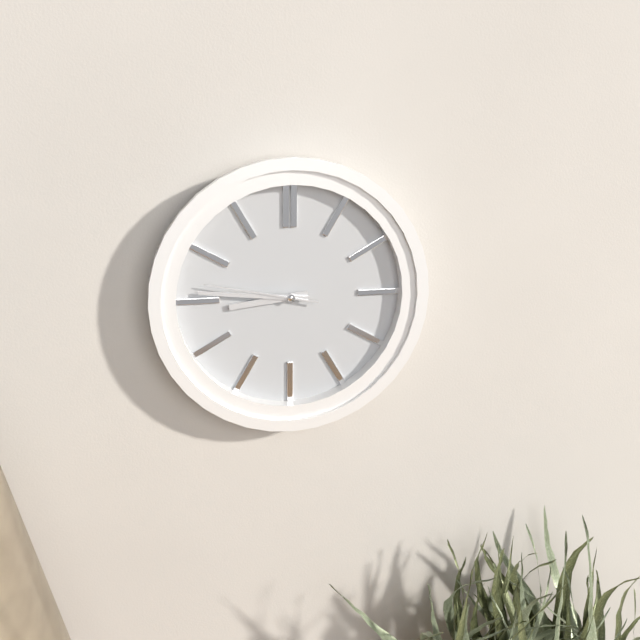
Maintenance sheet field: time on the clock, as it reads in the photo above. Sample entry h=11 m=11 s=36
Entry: h=8 m=46 s=47
